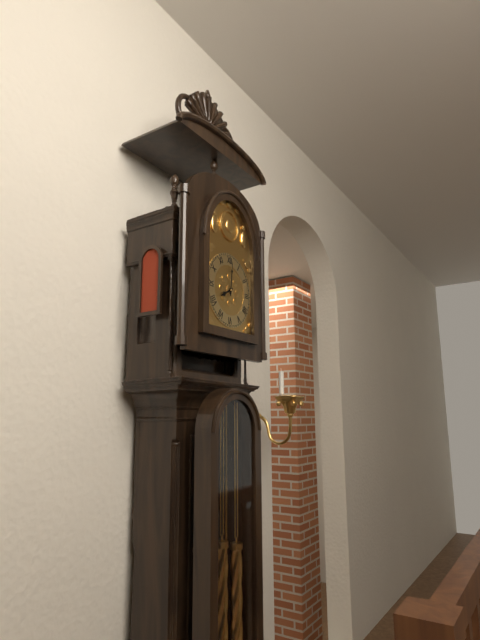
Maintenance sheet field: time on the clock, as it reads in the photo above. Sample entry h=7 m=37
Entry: h=8 m=1
